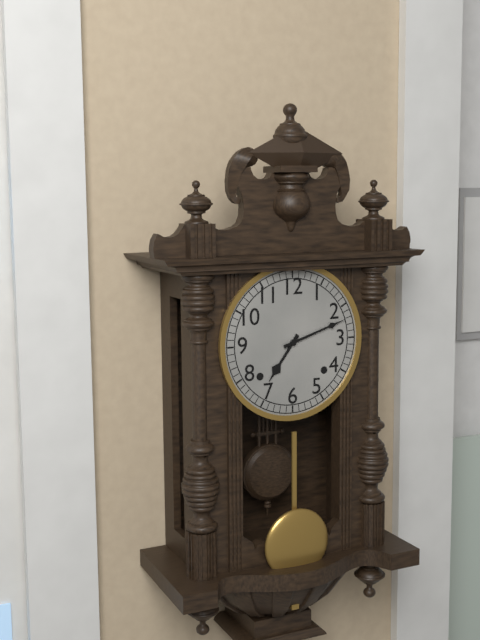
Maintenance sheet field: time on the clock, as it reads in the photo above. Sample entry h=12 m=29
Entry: h=7 m=12
